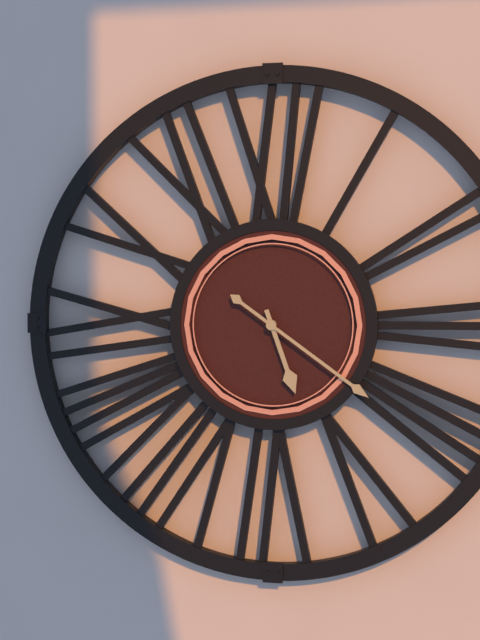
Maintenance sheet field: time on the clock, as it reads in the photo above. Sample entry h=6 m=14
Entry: h=5 m=21
